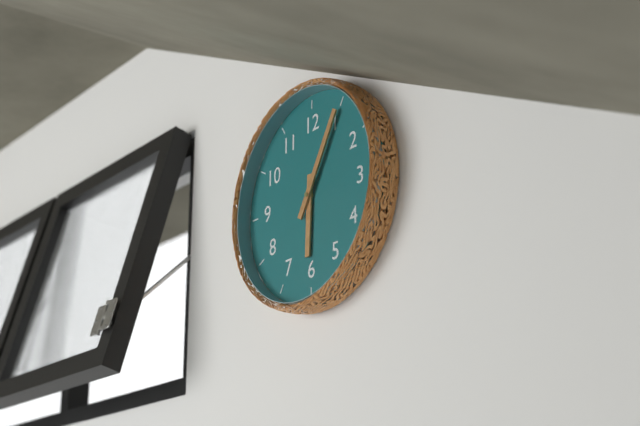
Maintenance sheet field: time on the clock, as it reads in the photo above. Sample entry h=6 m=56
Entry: h=6 m=5
